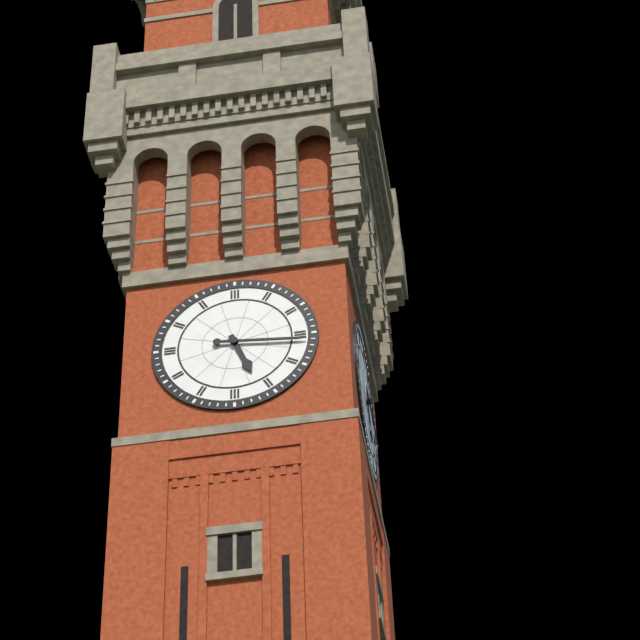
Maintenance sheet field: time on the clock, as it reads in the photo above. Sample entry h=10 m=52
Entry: h=5 m=16
